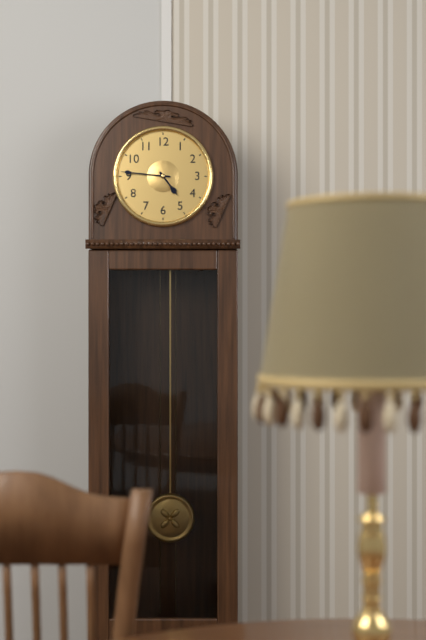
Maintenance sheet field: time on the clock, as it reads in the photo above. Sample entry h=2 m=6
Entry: h=4 m=46
